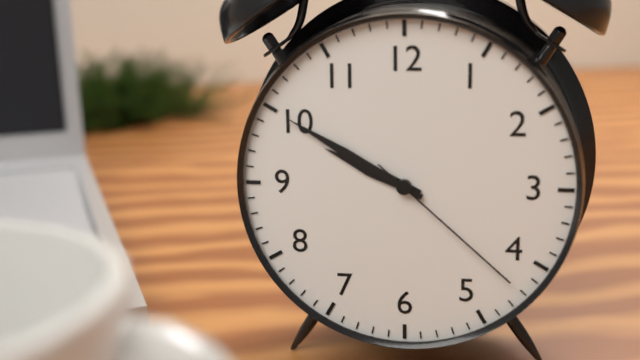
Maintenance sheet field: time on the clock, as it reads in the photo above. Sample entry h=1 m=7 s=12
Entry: h=9 m=50 s=22
